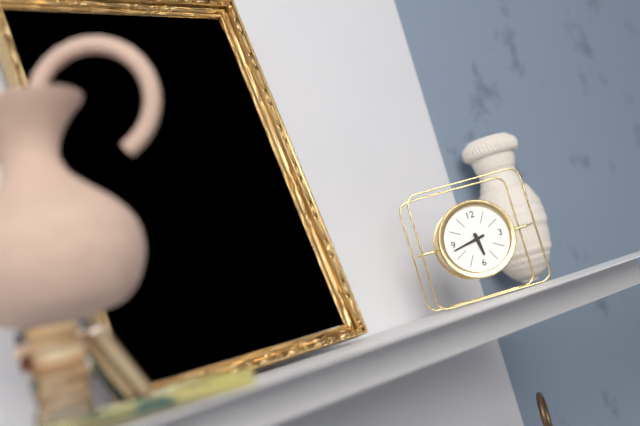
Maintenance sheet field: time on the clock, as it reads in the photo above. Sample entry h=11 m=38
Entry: h=5 m=43
